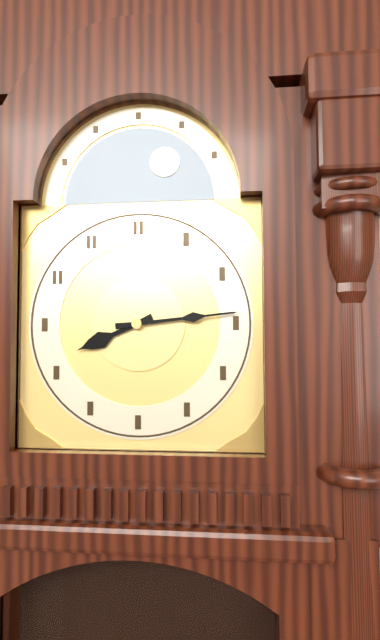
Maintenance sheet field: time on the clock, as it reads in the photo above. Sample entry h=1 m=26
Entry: h=8 m=14
